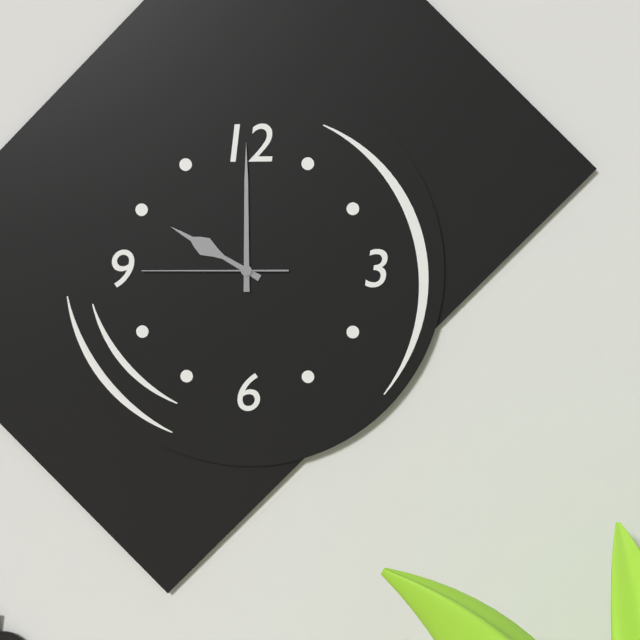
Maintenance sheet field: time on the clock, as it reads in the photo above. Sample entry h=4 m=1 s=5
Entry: h=10 m=0 s=45
